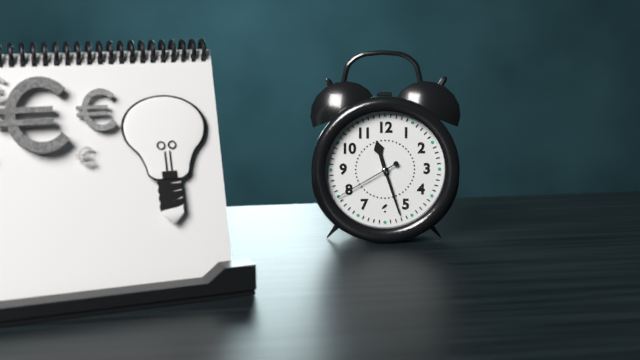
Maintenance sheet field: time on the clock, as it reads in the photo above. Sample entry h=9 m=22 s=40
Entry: h=11 m=27 s=40
